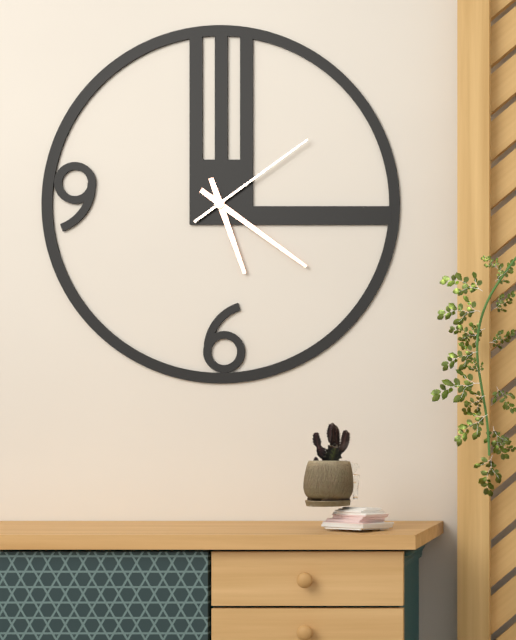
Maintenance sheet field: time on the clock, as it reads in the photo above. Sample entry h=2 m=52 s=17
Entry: h=5 m=21 s=9
